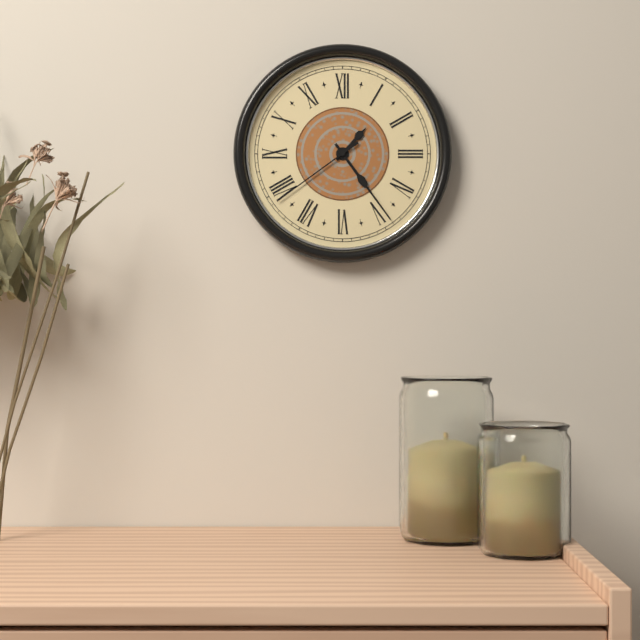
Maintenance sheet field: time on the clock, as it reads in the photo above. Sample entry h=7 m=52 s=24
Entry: h=1 m=24 s=39
